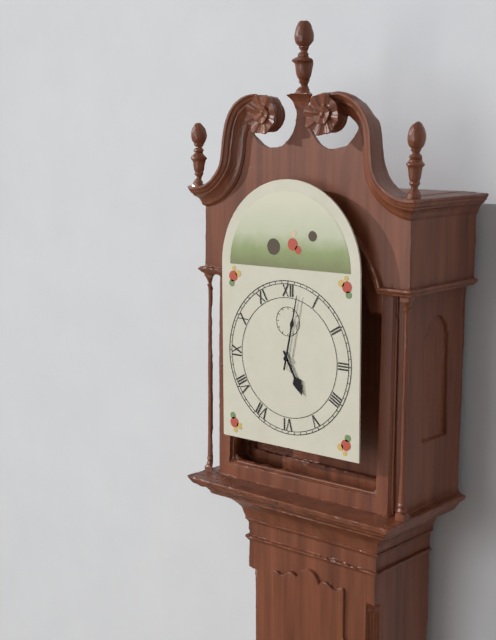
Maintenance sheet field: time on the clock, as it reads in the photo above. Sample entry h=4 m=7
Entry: h=5 m=2
